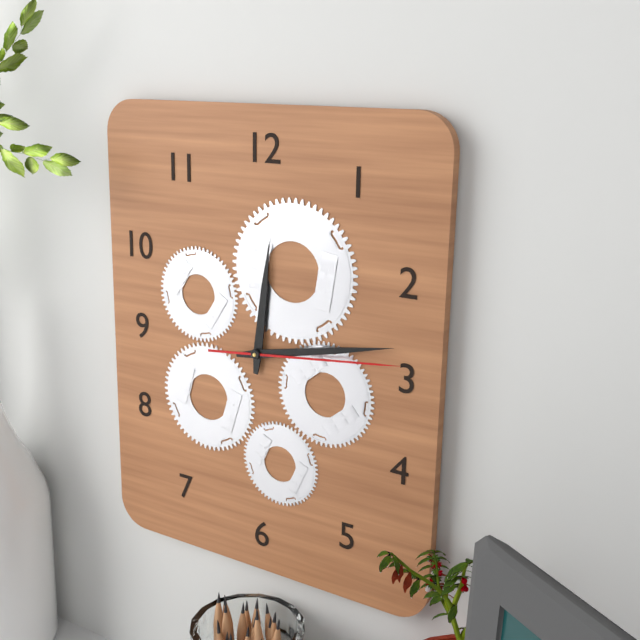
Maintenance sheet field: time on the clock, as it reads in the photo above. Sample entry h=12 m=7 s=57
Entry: h=12 m=13 s=14
